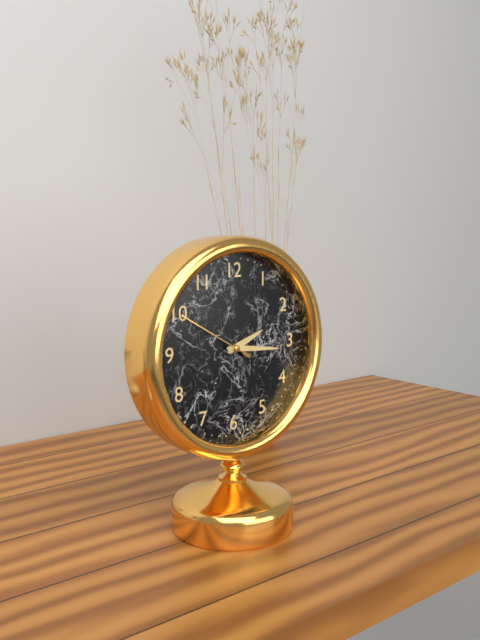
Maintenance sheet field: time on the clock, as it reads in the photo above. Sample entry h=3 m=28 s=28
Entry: h=2 m=16 s=50
